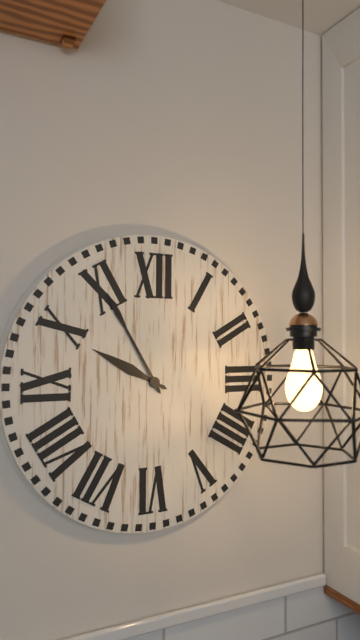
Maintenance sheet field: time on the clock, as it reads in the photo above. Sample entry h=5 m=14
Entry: h=9 m=55
